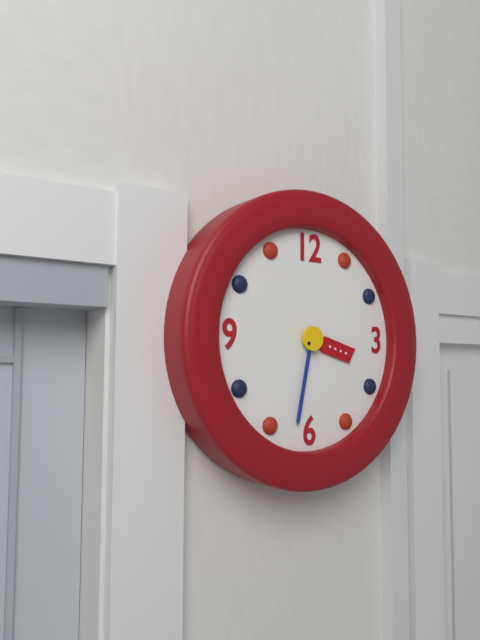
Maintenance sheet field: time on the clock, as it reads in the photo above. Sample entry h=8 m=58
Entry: h=3 m=32
